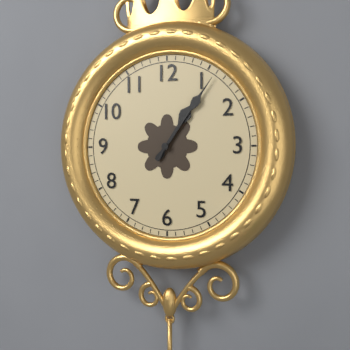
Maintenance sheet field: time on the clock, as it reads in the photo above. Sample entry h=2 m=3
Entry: h=1 m=6
